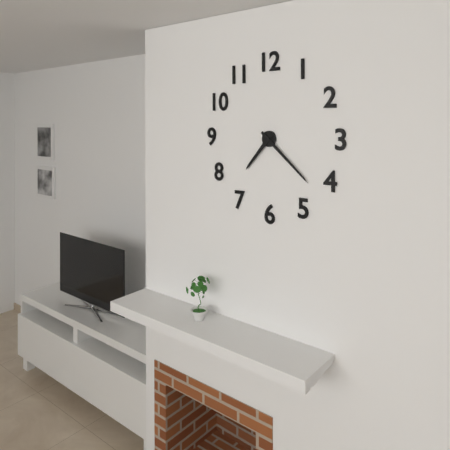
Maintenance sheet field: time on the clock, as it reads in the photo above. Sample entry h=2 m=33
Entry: h=7 m=22
